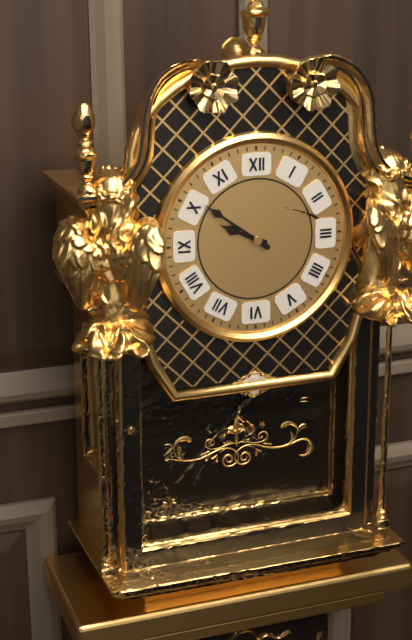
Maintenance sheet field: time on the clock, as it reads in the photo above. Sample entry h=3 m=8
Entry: h=9 m=51
